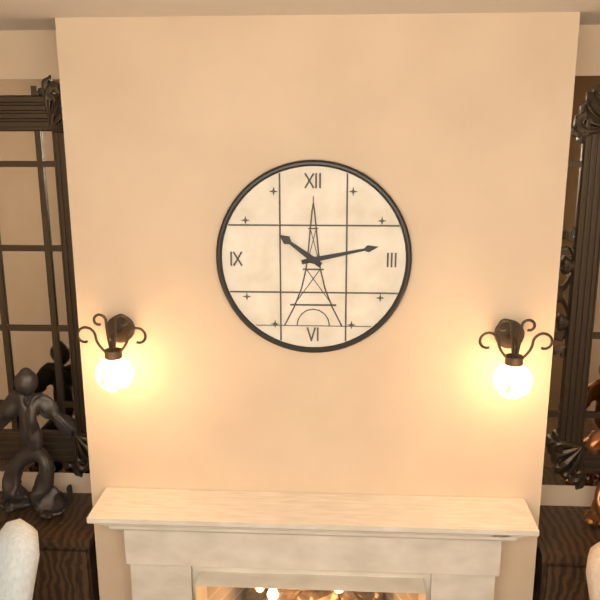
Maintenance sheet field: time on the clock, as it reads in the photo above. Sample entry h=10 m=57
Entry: h=10 m=13
